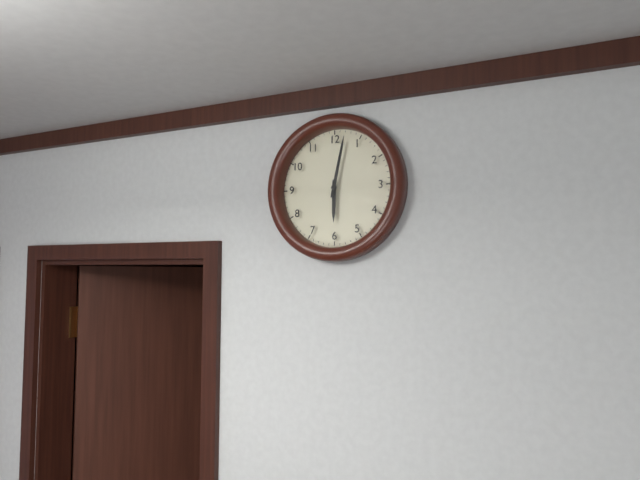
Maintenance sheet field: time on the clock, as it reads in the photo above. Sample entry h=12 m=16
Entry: h=6 m=2
